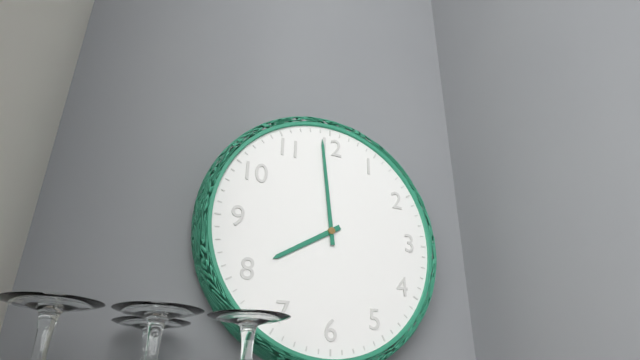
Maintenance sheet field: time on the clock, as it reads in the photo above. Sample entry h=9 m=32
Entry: h=7 m=59
